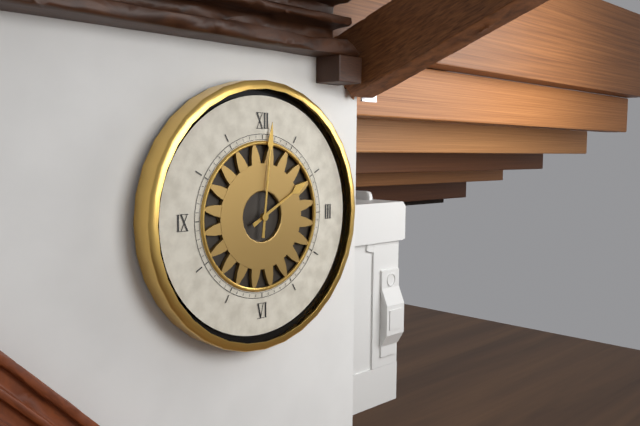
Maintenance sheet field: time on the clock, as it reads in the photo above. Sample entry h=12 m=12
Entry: h=2 m=1
